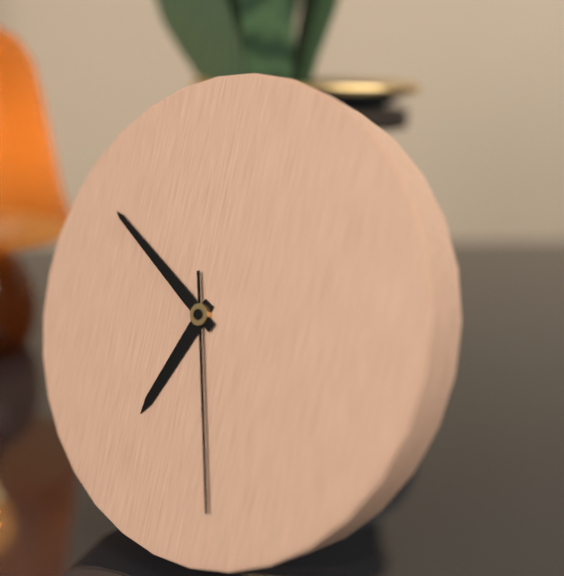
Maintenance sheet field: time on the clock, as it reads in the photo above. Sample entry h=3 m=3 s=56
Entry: h=6 m=50 s=27
